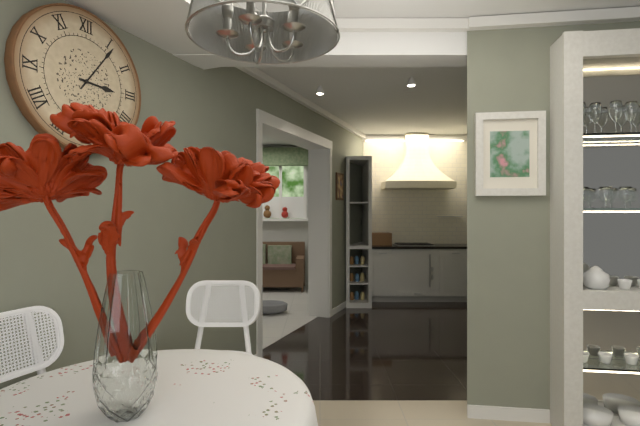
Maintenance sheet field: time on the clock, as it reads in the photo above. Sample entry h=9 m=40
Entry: h=3 m=6
